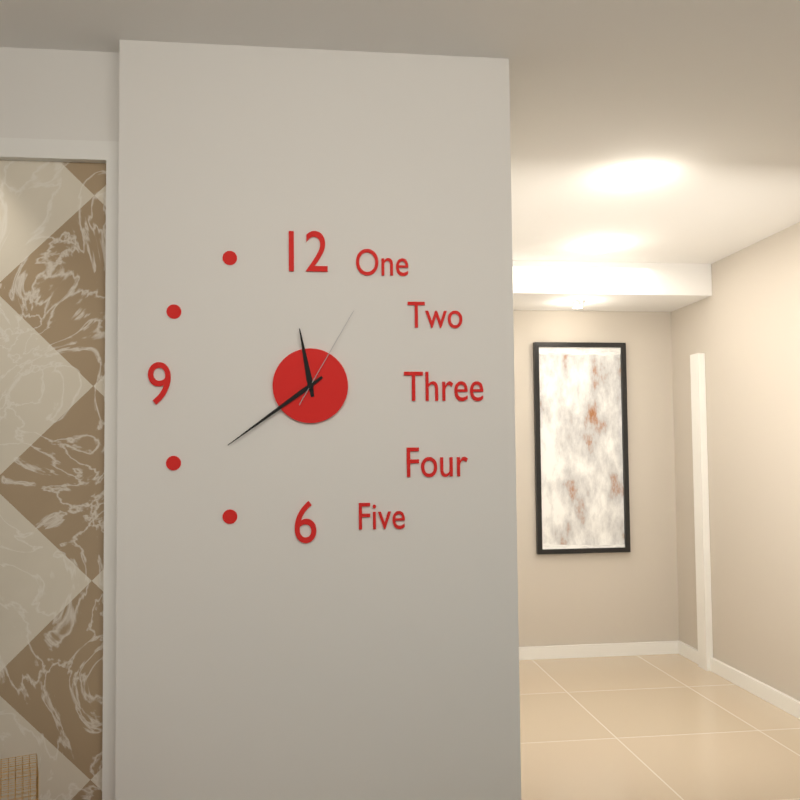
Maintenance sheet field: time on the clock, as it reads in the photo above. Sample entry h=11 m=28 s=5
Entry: h=11 m=39 s=5
